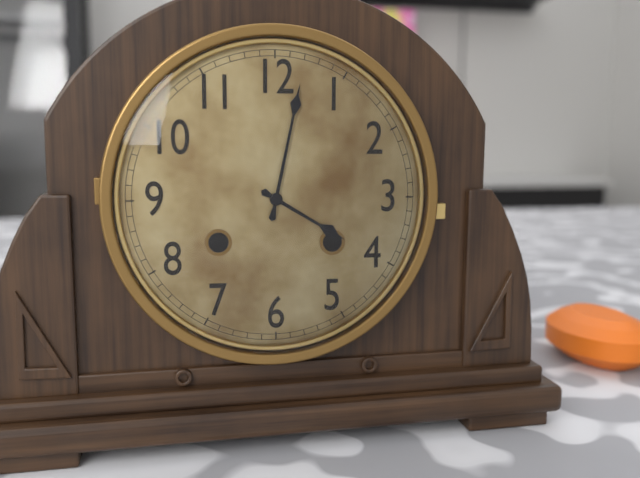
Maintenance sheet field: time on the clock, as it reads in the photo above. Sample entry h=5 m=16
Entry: h=4 m=2
